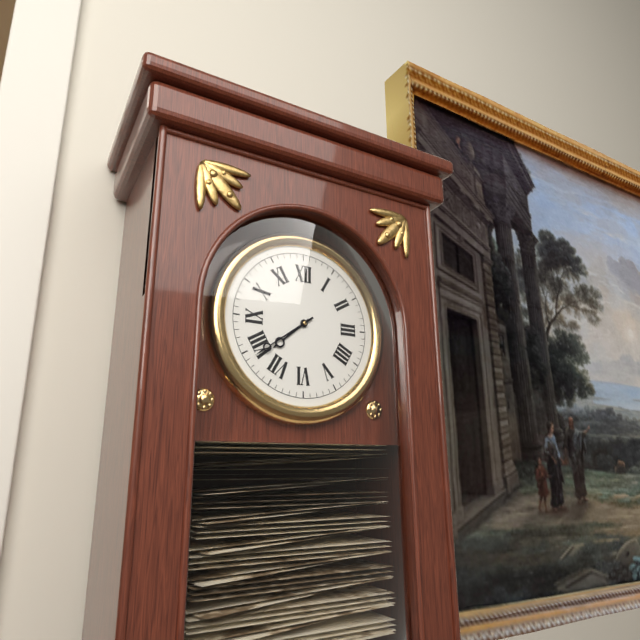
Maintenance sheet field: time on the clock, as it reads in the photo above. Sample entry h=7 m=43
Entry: h=7 m=39
